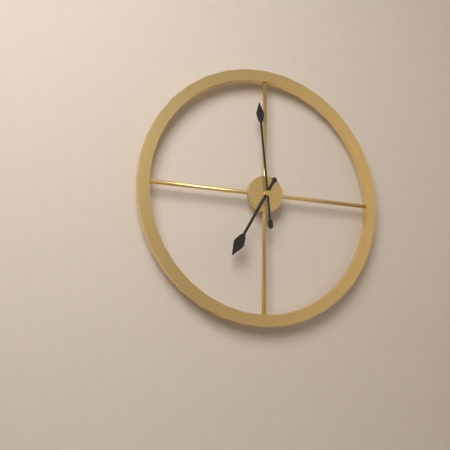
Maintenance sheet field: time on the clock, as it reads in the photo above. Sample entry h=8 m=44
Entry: h=6 m=59
